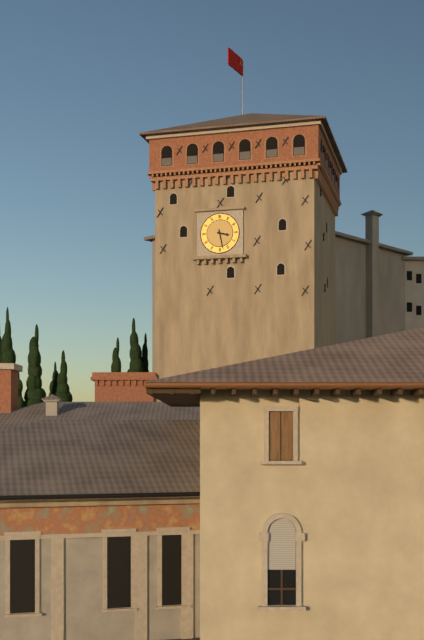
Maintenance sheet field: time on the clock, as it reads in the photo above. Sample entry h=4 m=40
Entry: h=3 m=28
